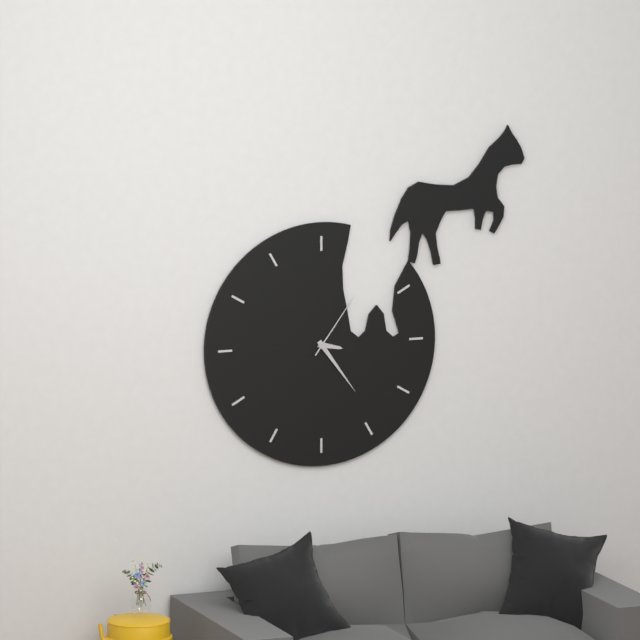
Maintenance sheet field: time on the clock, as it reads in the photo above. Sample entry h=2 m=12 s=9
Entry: h=3 m=24 s=6
